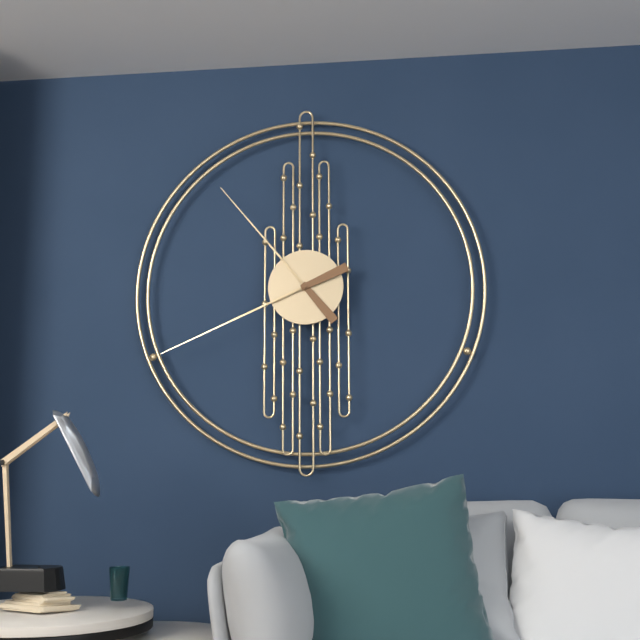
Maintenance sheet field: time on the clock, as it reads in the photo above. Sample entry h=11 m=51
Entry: h=10 m=41
